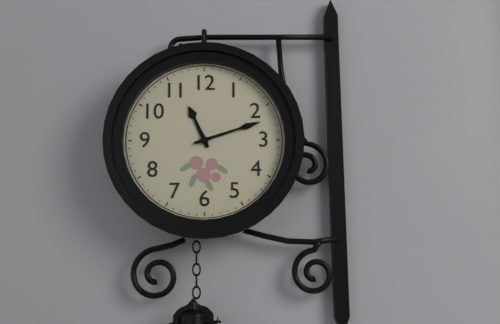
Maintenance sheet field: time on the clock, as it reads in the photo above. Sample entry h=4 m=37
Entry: h=11 m=12
